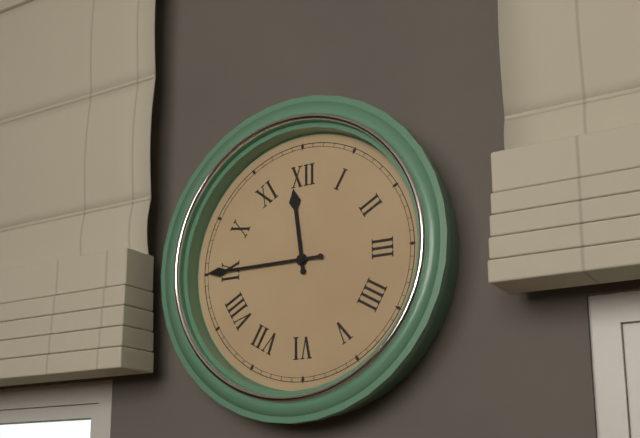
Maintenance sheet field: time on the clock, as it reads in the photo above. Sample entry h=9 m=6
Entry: h=11 m=45
